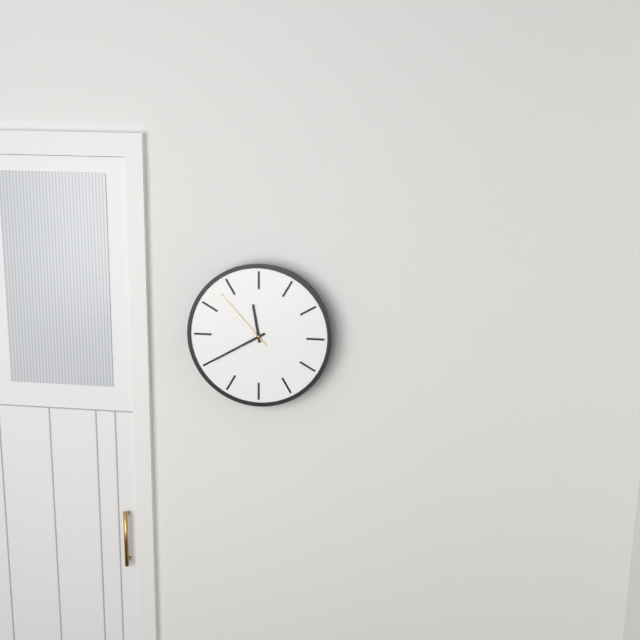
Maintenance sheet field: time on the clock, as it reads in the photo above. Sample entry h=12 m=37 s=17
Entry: h=11 m=40 s=53
